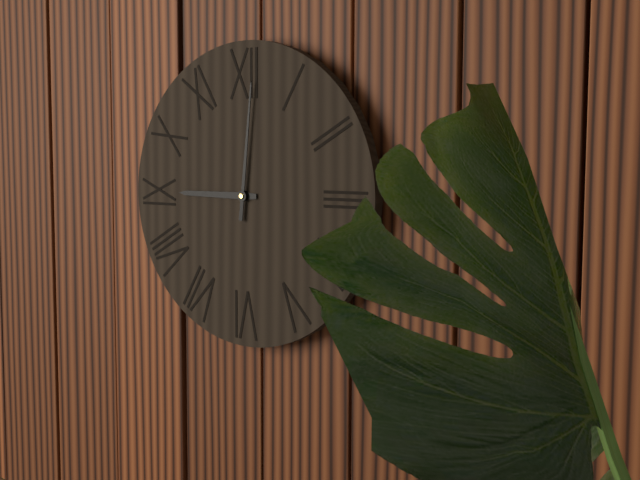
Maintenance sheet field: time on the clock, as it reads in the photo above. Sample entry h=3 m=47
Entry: h=9 m=1
